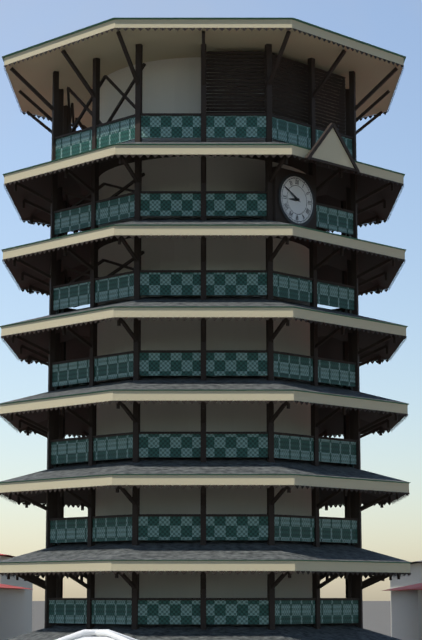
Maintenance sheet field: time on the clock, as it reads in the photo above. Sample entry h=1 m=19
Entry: h=8 m=50
